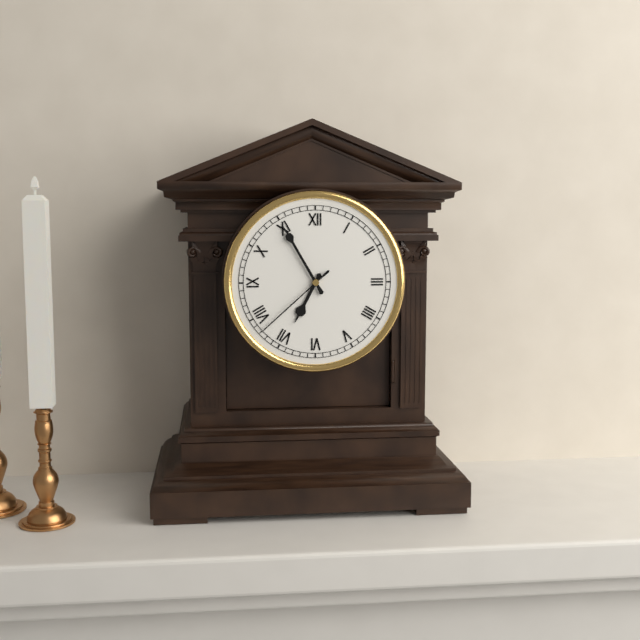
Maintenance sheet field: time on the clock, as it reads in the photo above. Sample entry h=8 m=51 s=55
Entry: h=6 m=55 s=38
